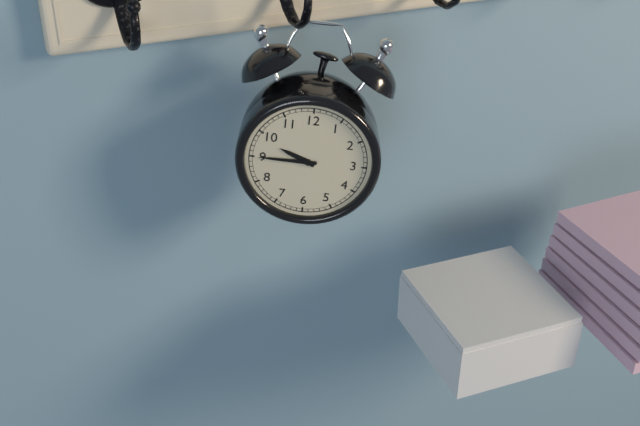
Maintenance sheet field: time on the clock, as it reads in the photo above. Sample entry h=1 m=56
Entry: h=9 m=45
